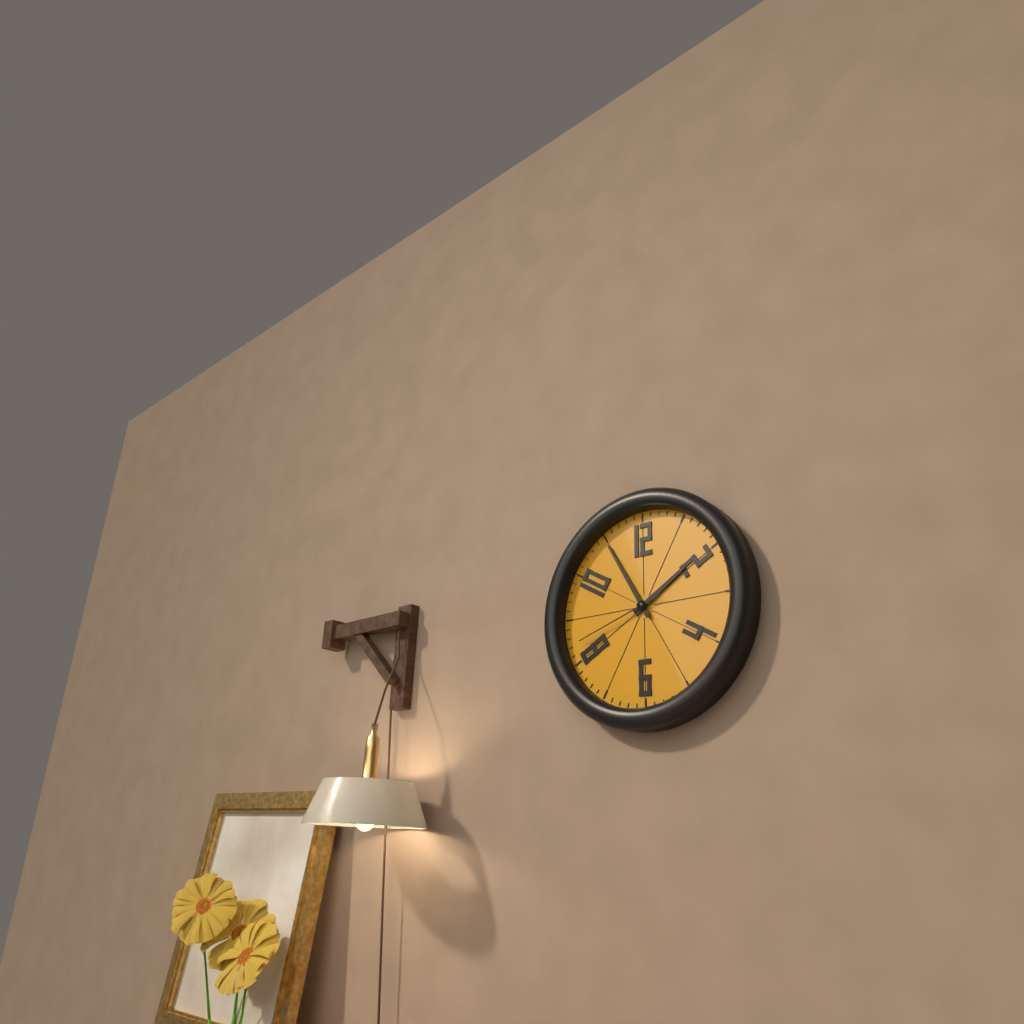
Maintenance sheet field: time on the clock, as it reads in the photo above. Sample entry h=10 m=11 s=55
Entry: h=1 m=55 s=42
